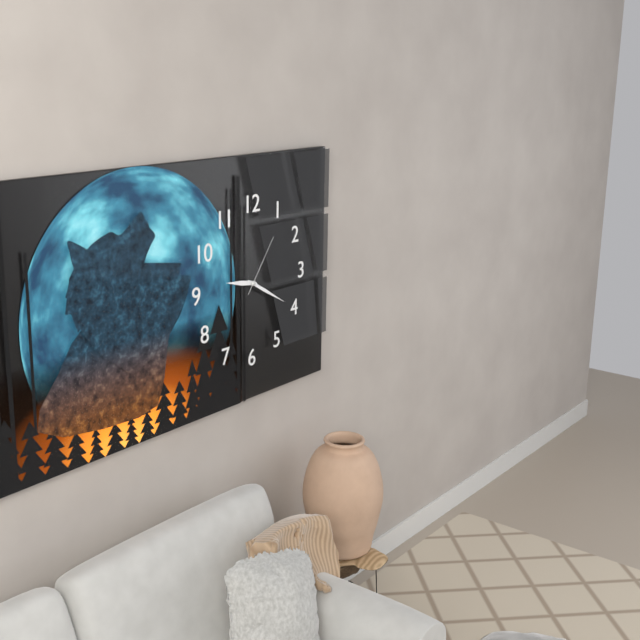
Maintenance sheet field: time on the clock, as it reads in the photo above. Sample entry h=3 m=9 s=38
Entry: h=9 m=20 s=6
